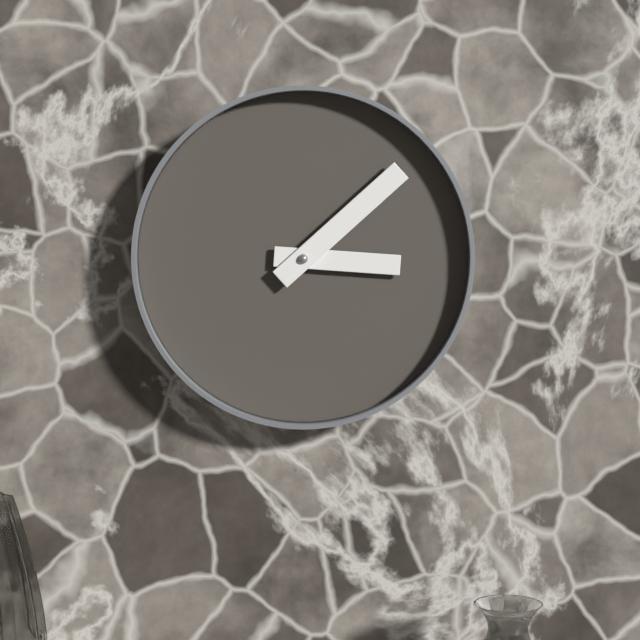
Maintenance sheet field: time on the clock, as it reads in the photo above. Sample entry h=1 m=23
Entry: h=3 m=8
